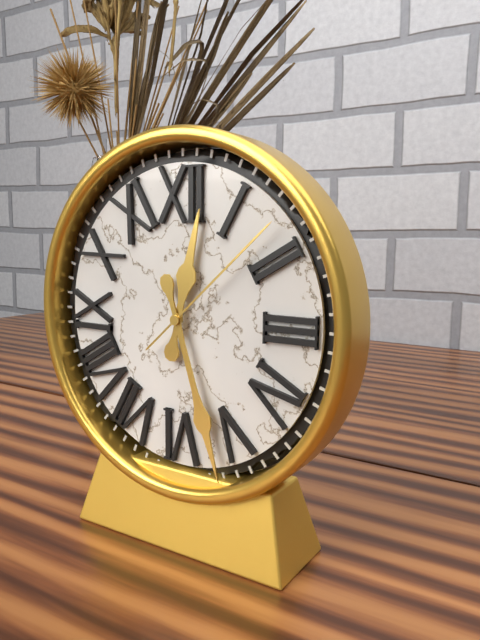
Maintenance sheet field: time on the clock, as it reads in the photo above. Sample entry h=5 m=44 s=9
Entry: h=12 m=27 s=8
